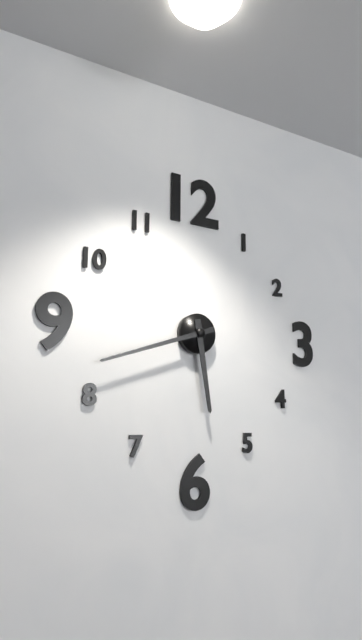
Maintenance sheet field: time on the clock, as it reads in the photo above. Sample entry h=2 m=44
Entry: h=5 m=42
